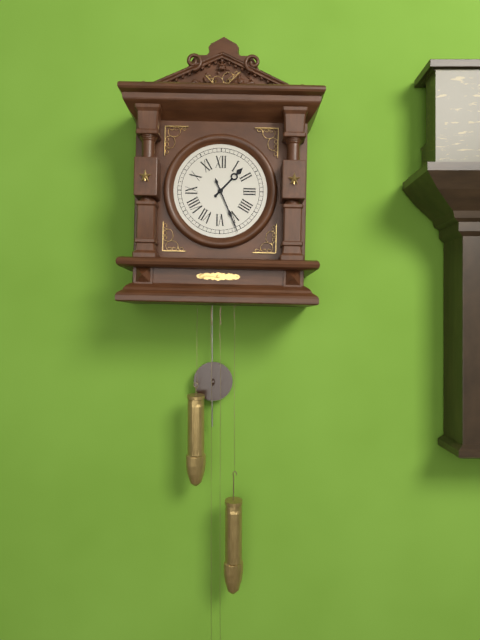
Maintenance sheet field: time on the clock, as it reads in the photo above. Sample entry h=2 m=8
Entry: h=1 m=26
